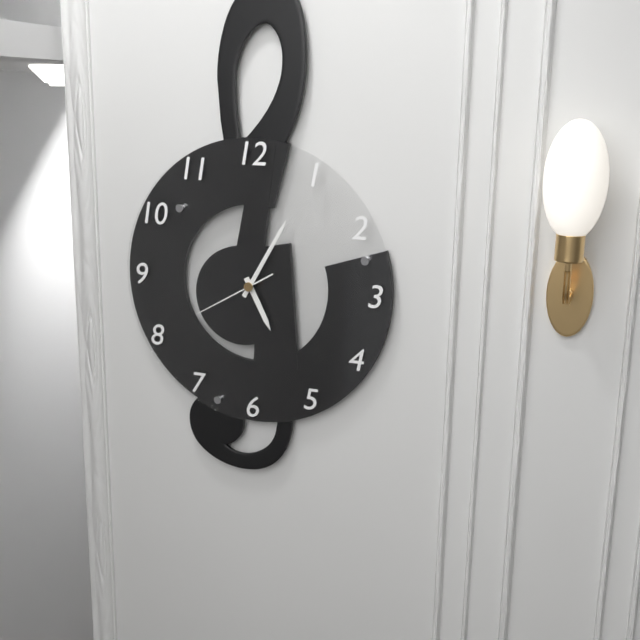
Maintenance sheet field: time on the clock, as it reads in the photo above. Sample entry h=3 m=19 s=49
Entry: h=5 m=5 s=40
